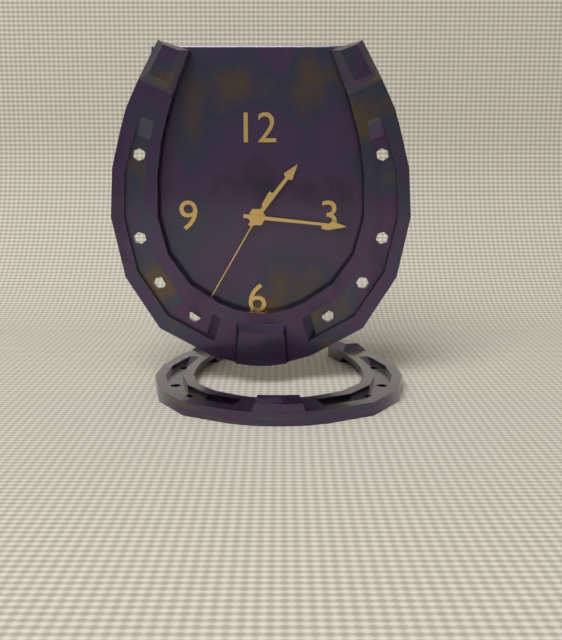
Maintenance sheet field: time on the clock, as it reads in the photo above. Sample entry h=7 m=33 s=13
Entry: h=1 m=16 s=35
